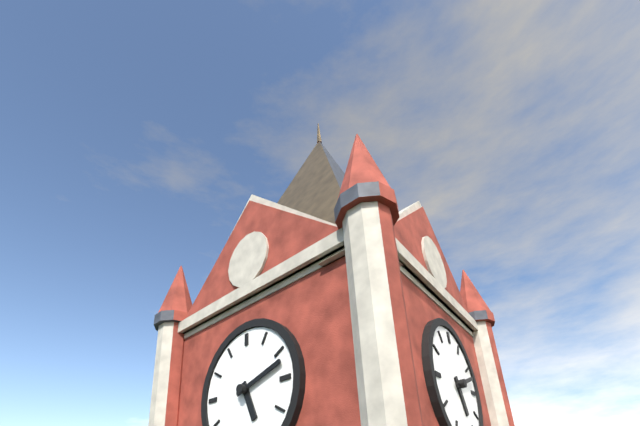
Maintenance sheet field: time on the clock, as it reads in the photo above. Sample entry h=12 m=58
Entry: h=5 m=12
